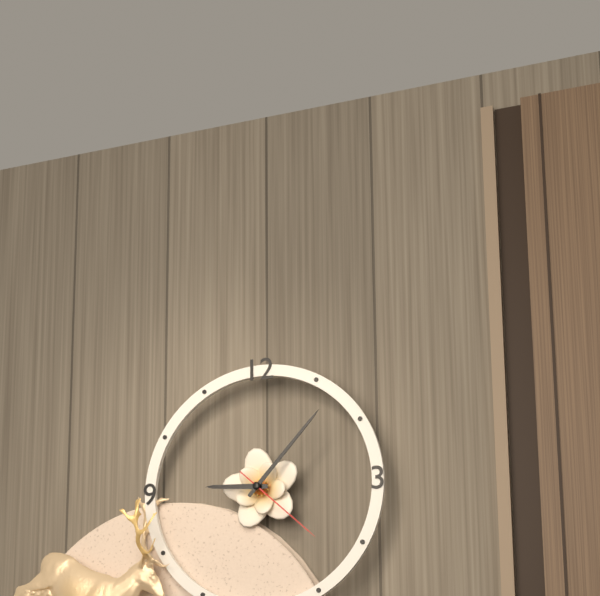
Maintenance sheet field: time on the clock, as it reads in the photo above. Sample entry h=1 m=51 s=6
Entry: h=9 m=7 s=22
